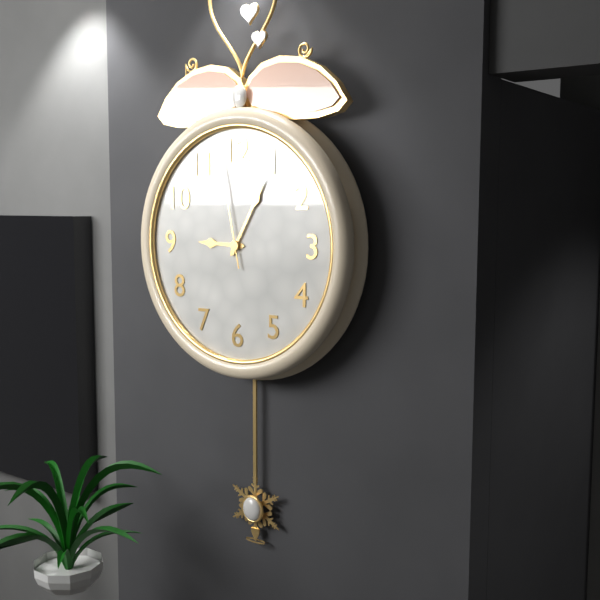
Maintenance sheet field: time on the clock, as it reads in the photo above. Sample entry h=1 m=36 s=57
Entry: h=9 m=5 s=58
